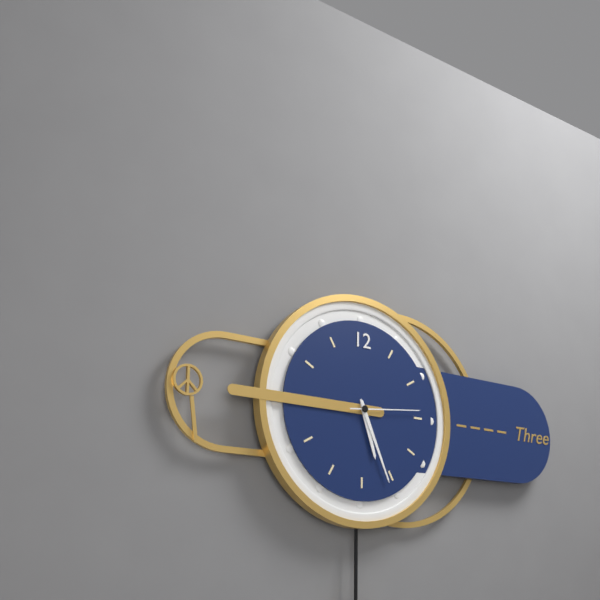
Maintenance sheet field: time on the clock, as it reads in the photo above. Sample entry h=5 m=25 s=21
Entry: h=5 m=26 s=14
